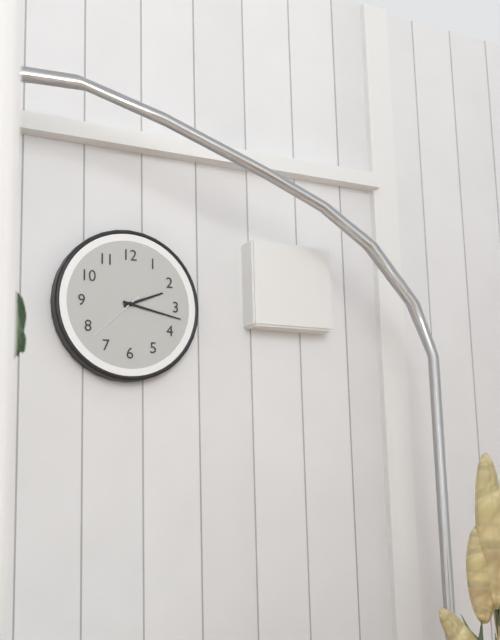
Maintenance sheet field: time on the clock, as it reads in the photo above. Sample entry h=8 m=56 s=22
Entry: h=2 m=17 s=38
